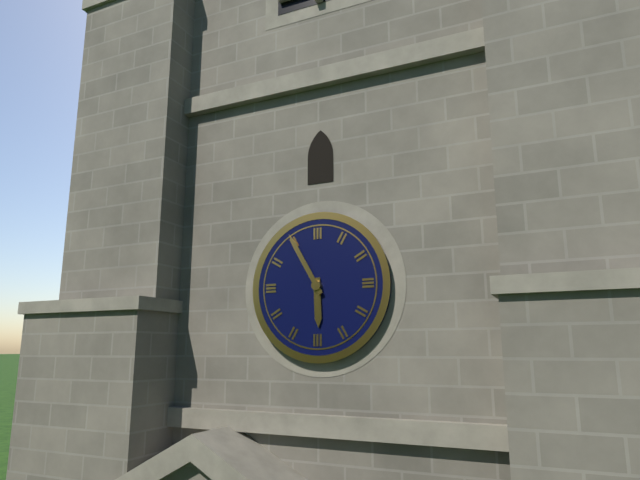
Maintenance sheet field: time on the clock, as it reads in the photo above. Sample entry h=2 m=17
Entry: h=5 m=55
